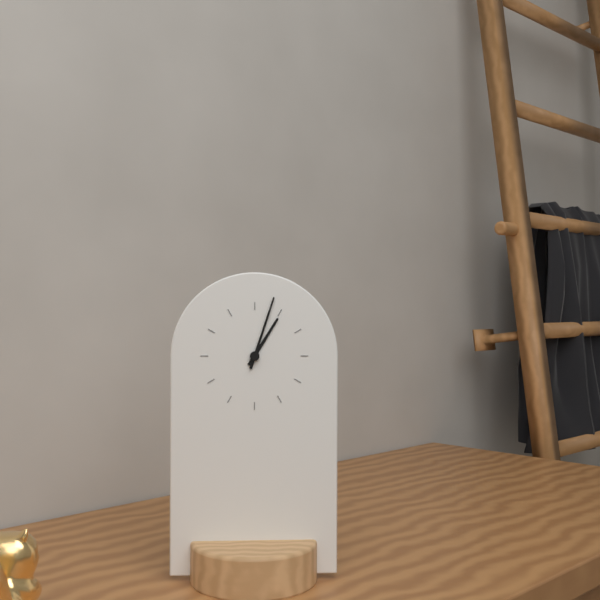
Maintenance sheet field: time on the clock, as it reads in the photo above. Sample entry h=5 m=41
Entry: h=1 m=3
